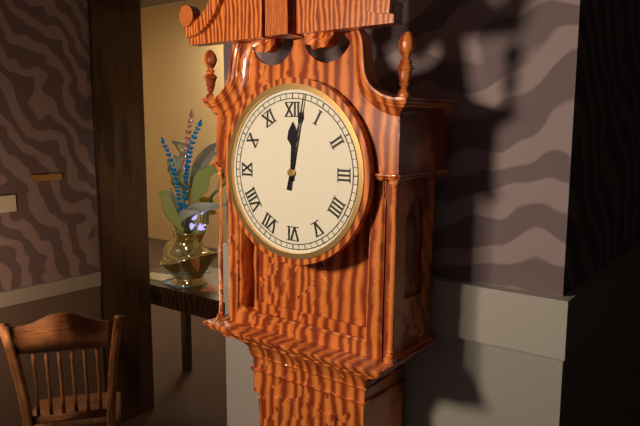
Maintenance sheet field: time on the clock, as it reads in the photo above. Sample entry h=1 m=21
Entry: h=12 m=2
